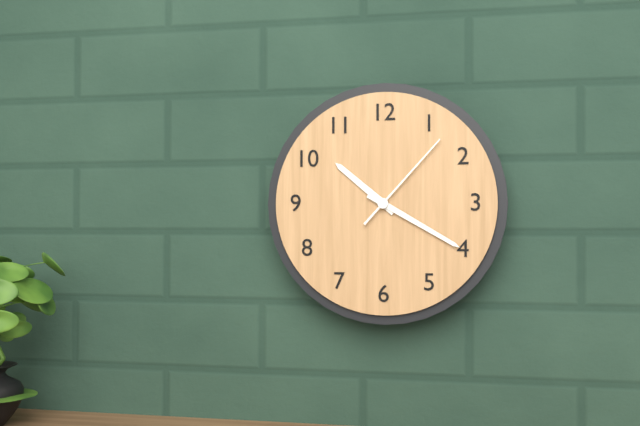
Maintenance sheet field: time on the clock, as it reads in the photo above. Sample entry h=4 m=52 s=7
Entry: h=10 m=20 s=7
